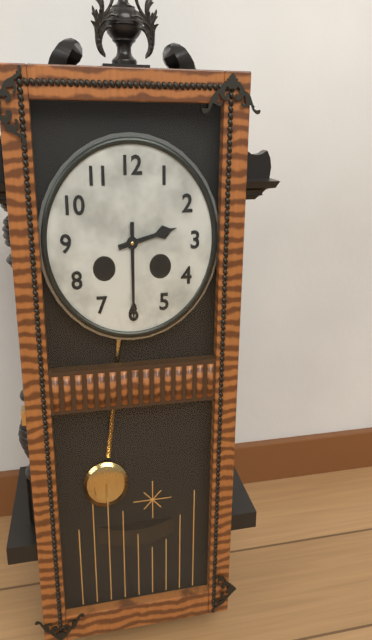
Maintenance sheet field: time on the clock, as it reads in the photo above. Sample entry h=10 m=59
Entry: h=2 m=30
